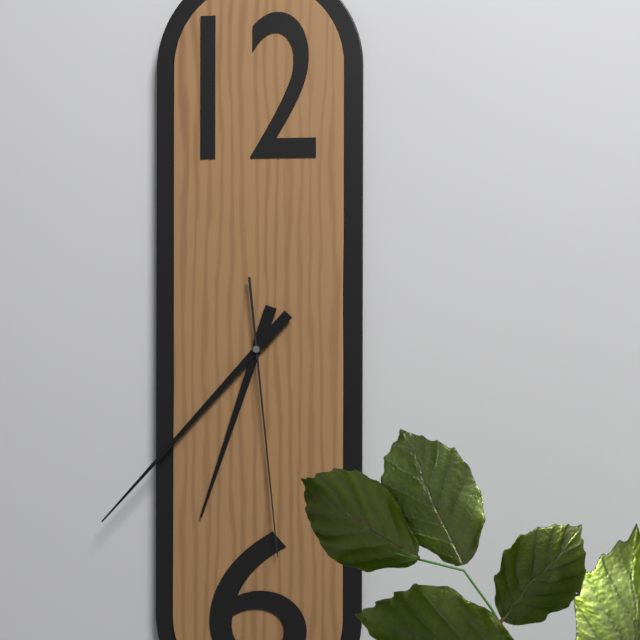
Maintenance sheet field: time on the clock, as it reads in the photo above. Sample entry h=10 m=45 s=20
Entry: h=6 m=37 s=29
